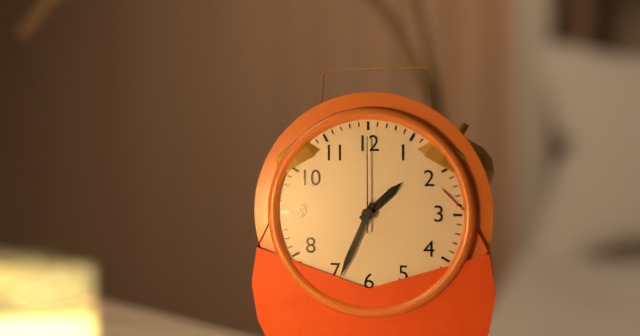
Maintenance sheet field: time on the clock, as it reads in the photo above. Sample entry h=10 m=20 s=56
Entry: h=1 m=34 s=0
